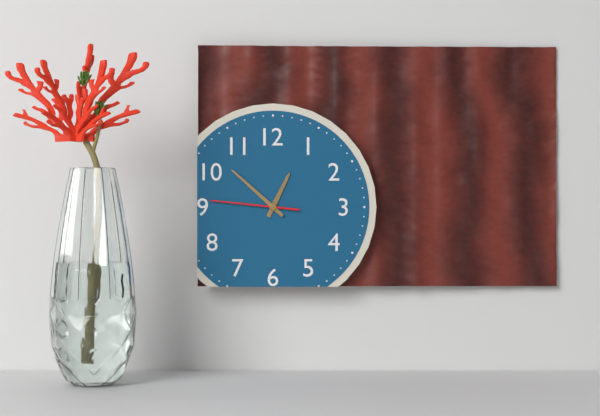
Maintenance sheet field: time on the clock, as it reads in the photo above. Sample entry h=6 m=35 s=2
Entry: h=12 m=52 s=46
